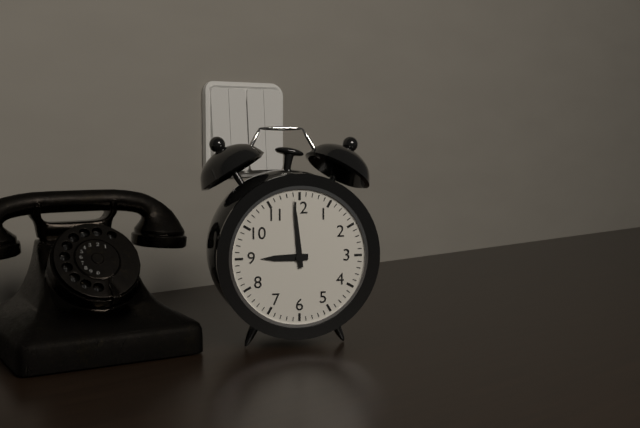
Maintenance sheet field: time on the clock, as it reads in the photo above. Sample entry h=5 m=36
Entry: h=8 m=59
